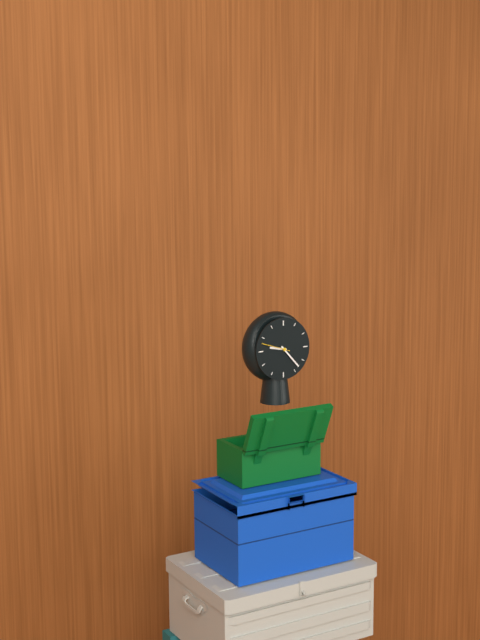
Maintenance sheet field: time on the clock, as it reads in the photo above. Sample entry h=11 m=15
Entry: h=9 m=23
